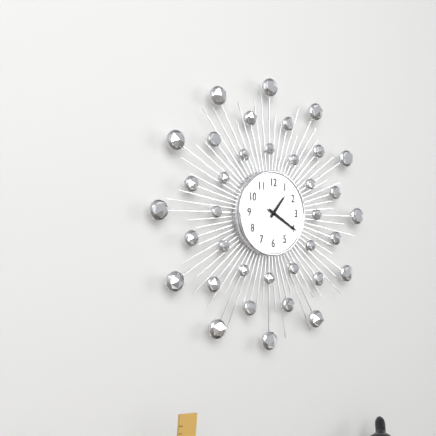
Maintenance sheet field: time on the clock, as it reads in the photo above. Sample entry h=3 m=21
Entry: h=1 m=20
